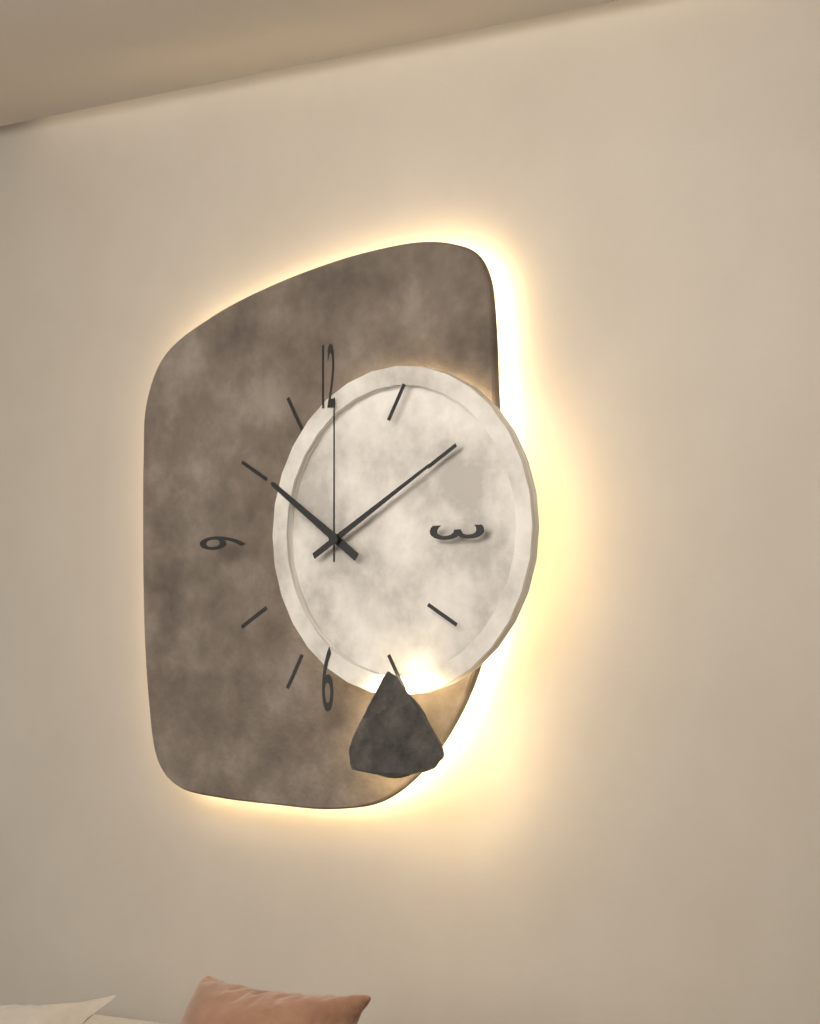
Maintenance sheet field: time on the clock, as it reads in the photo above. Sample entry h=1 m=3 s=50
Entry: h=10 m=10 s=0
